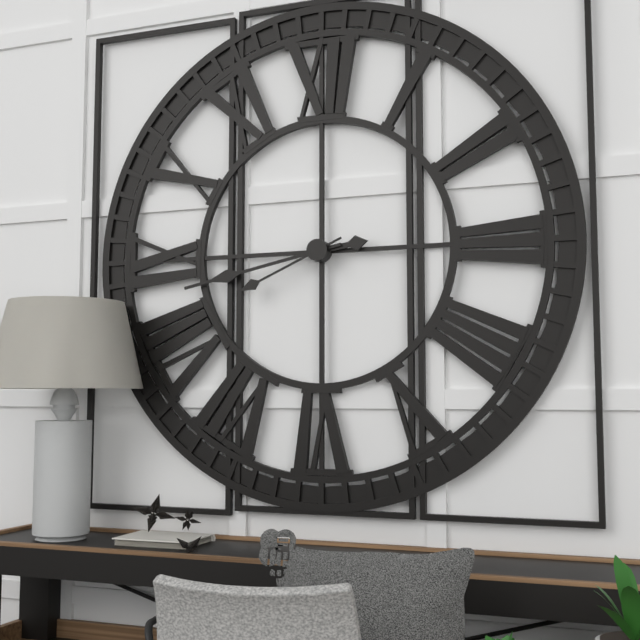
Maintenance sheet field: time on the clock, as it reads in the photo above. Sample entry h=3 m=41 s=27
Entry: h=2 m=43 s=41
